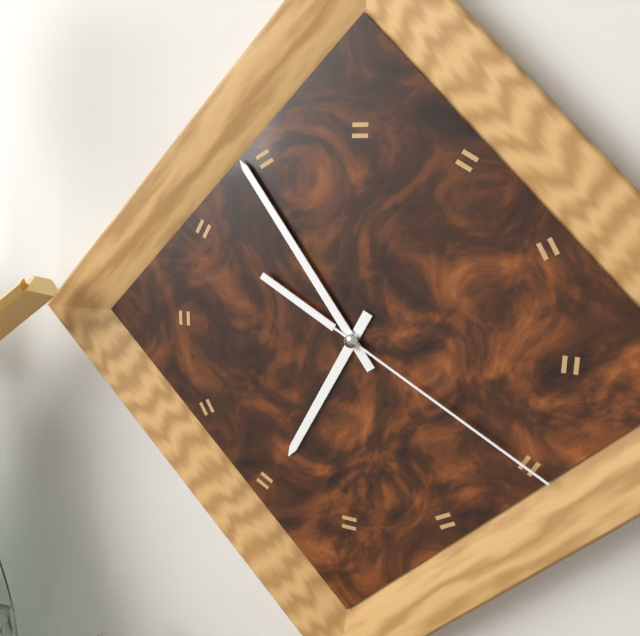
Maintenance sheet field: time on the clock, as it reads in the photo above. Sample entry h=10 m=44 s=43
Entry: h=6 m=54 s=20
